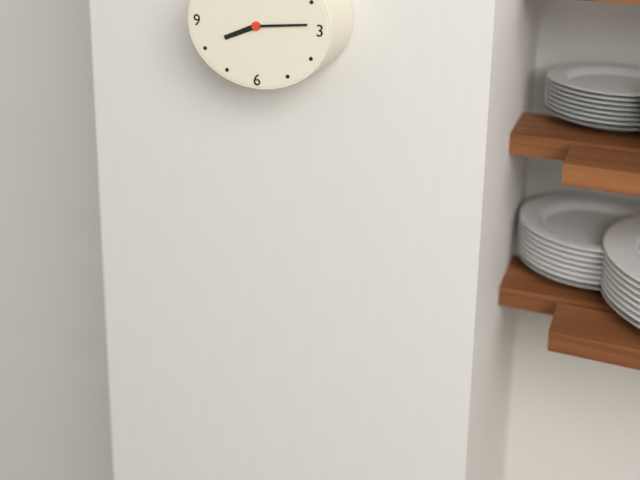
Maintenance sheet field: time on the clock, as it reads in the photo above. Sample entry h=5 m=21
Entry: h=8 m=14
